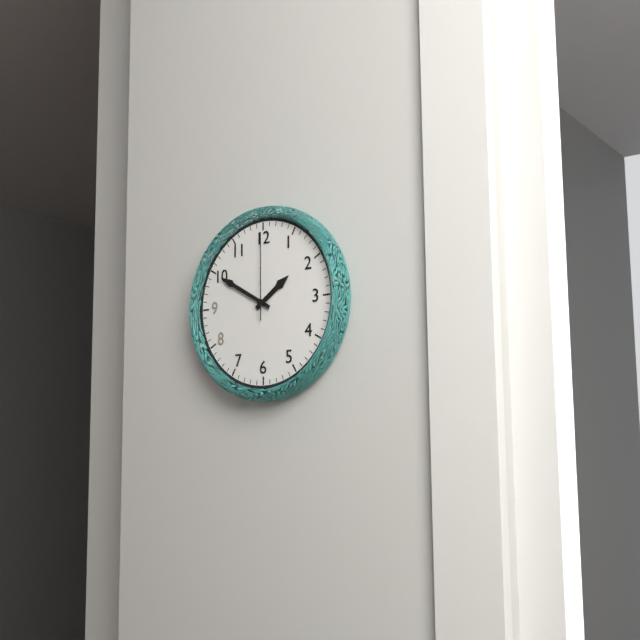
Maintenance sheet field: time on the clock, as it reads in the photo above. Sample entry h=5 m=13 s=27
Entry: h=1 m=50 s=0
